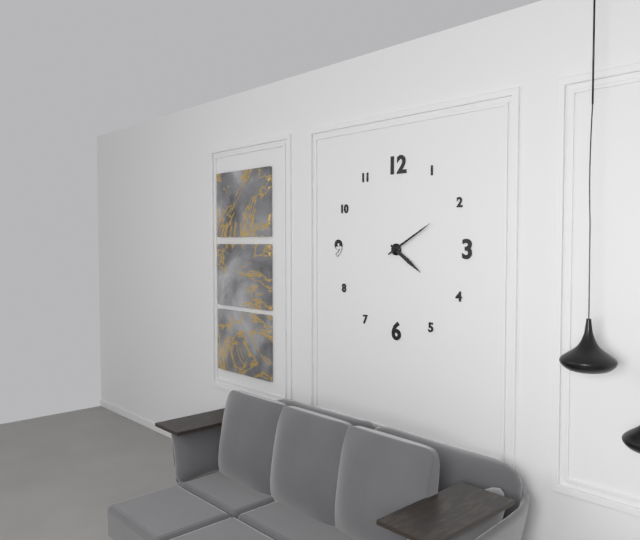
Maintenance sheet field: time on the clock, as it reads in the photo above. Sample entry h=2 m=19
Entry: h=4 m=10
